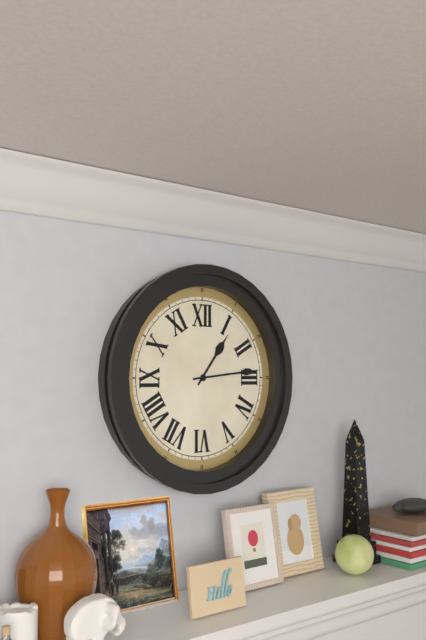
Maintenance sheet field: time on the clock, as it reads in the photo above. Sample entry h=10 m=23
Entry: h=1 m=14
